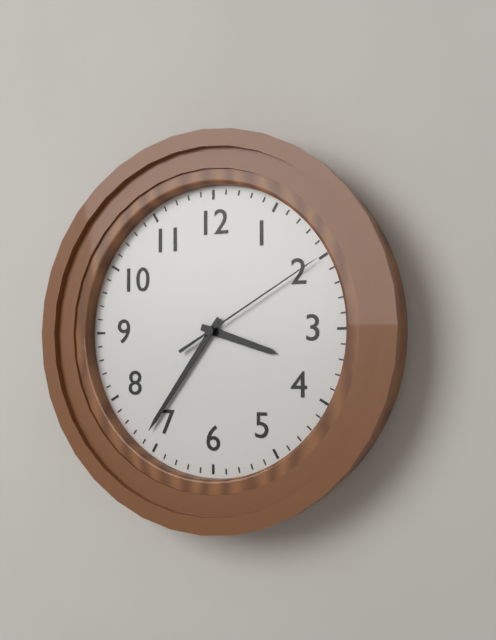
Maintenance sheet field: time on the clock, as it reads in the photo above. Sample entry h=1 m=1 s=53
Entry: h=3 m=36 s=10
